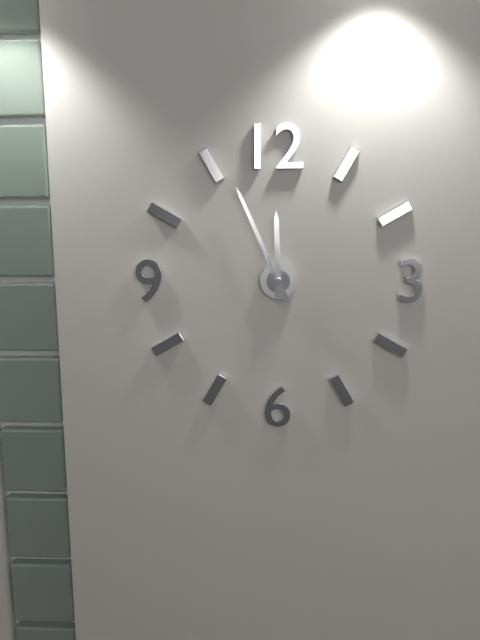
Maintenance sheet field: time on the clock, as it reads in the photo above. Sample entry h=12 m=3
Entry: h=11 m=56
